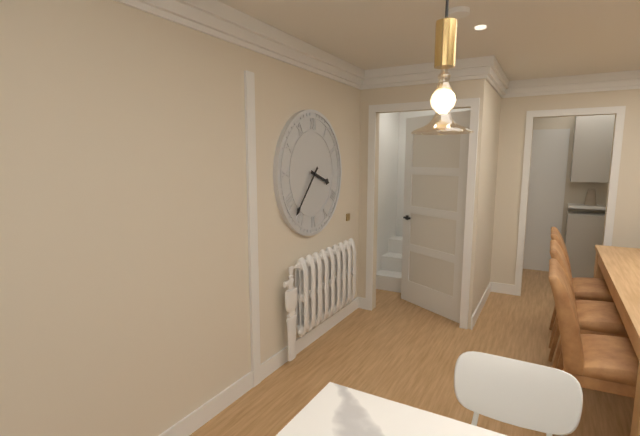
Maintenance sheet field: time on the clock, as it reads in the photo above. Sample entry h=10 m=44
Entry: h=3 m=37
